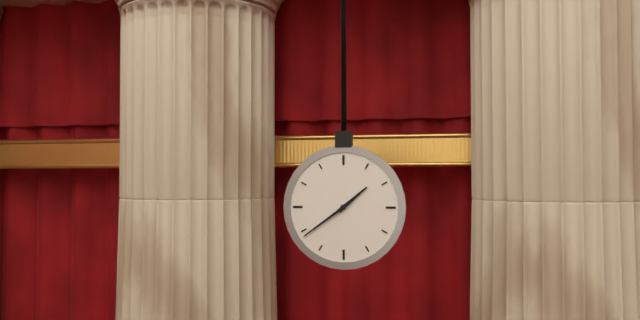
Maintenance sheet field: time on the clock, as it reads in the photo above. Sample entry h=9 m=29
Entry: h=1 m=39
